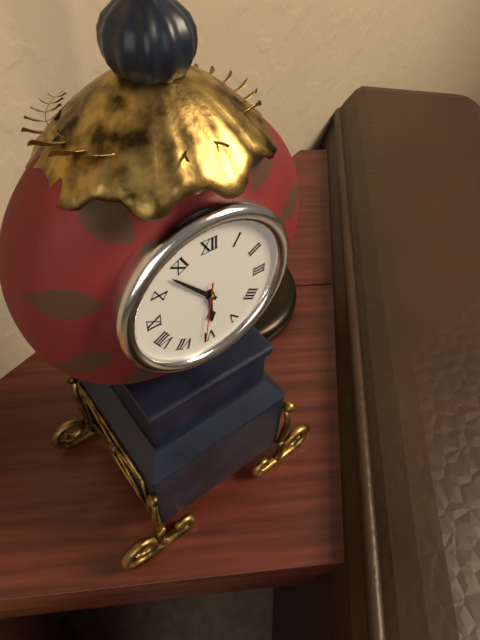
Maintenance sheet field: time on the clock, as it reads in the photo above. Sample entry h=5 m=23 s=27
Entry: h=5 m=53 s=31
